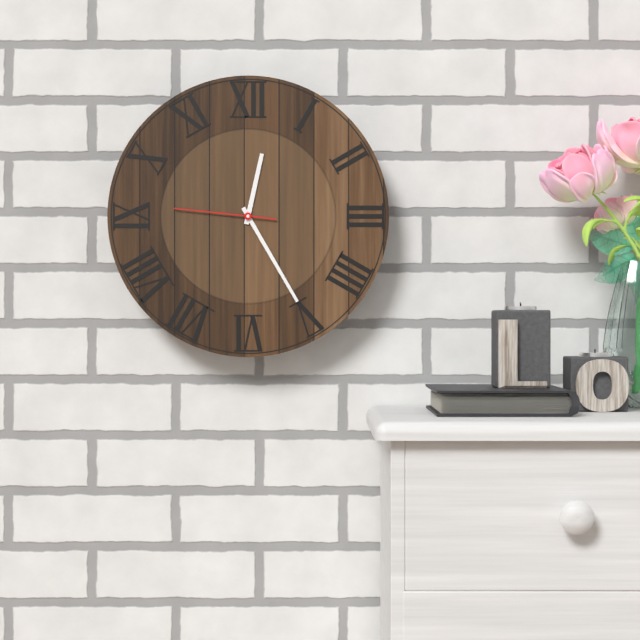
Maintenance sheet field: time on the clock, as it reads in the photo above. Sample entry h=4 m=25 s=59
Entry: h=12 m=25 s=46
